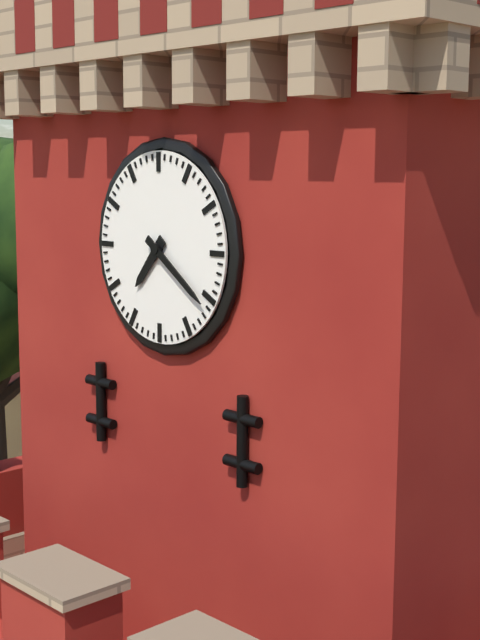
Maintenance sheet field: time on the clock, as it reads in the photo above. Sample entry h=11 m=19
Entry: h=7 m=21
